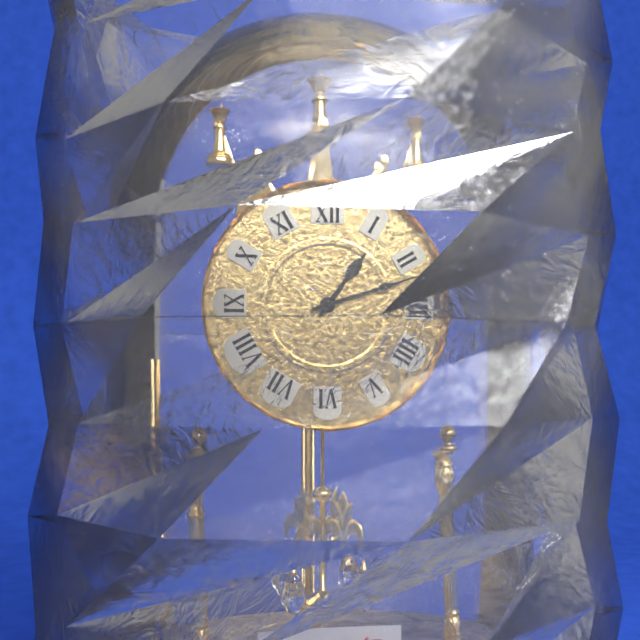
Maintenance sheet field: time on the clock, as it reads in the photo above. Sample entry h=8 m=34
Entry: h=1 m=12
